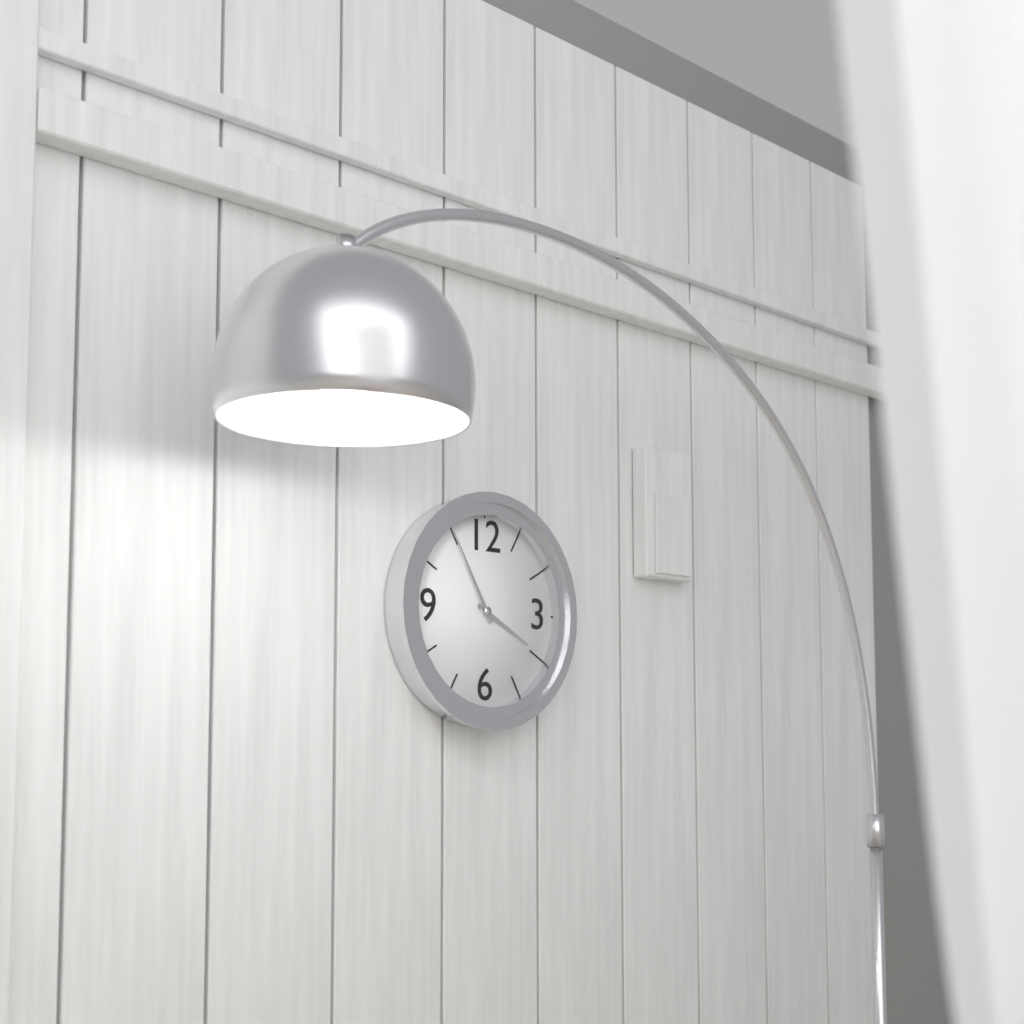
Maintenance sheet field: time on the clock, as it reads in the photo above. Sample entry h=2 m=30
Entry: h=3 m=55
